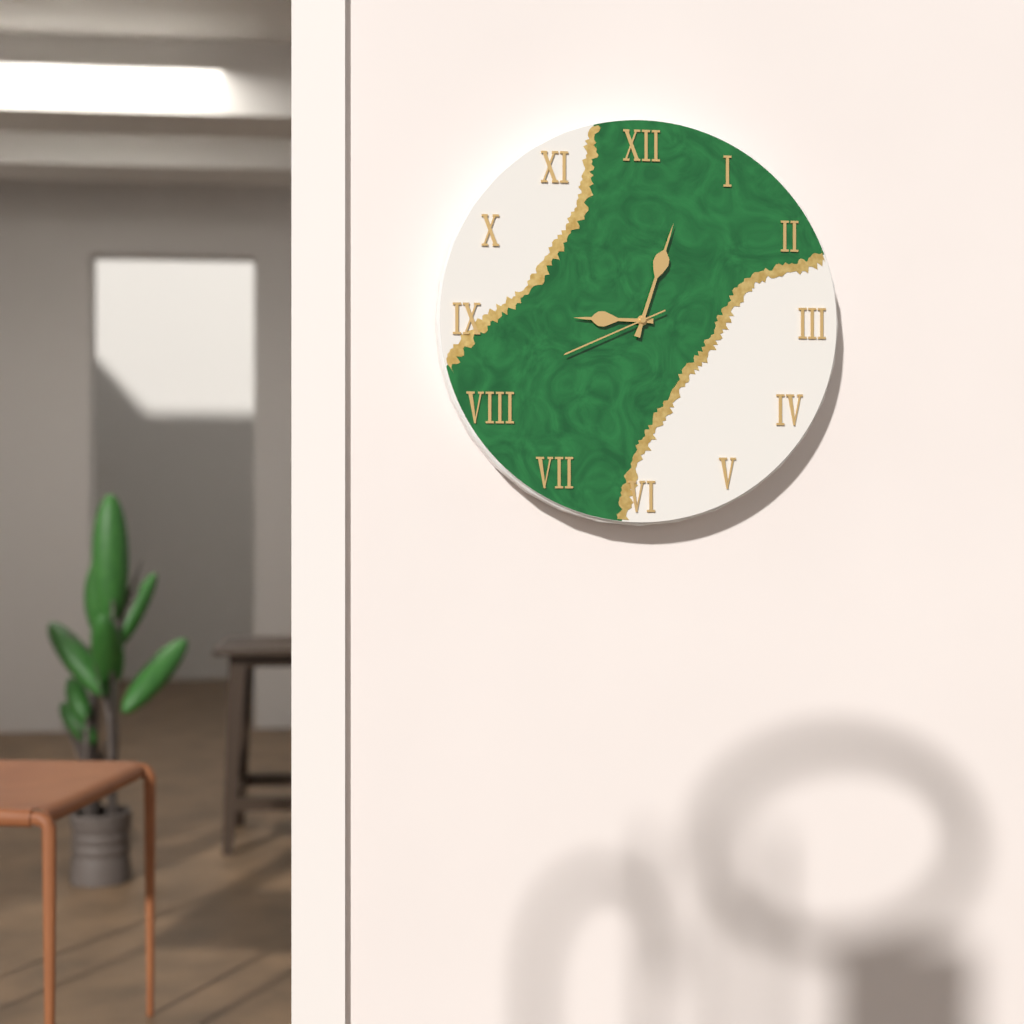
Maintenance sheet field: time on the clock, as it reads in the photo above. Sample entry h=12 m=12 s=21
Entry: h=9 m=3 s=41
